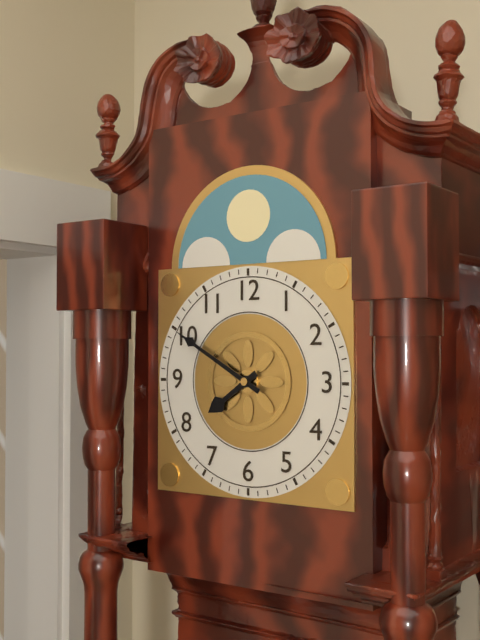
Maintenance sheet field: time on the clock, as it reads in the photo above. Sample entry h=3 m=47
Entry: h=7 m=50
